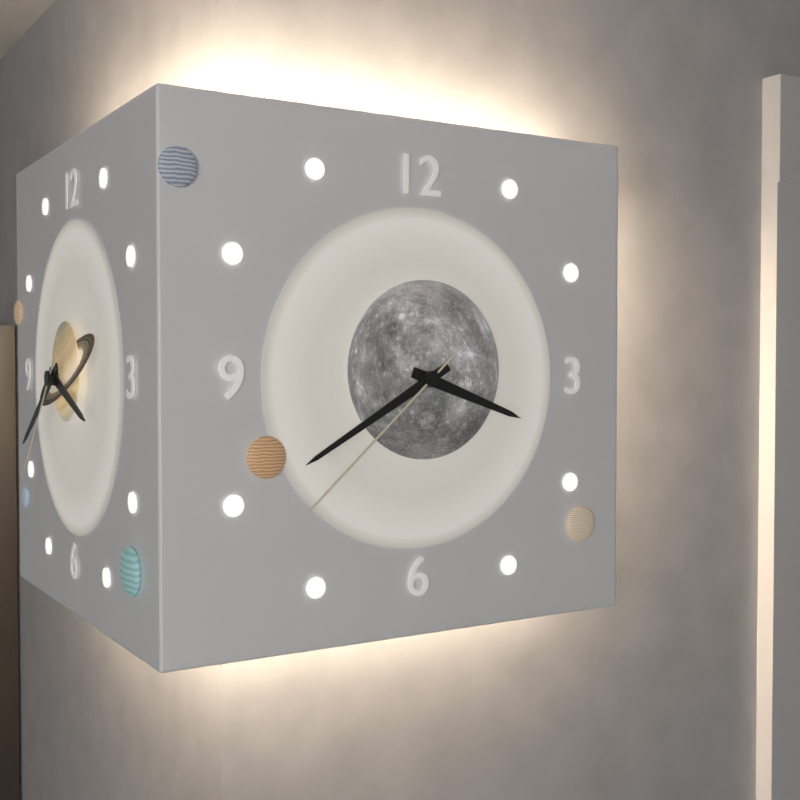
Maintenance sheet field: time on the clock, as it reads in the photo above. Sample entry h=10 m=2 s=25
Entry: h=3 m=40 s=38
